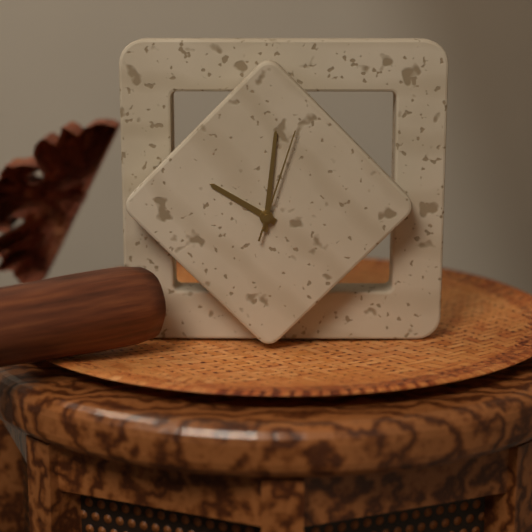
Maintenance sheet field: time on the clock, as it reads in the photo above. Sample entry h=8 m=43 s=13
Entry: h=10 m=1 s=3
